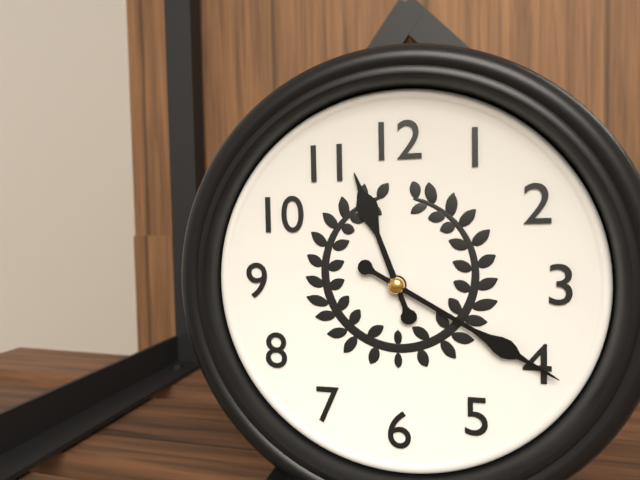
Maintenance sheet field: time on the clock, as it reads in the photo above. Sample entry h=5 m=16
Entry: h=11 m=20
